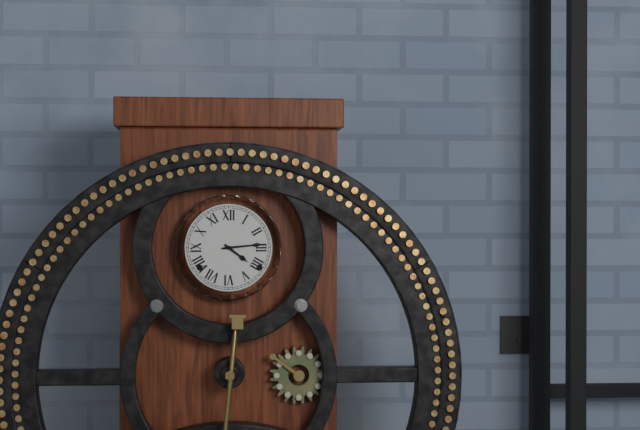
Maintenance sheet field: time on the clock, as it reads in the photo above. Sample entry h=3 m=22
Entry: h=4 m=14
